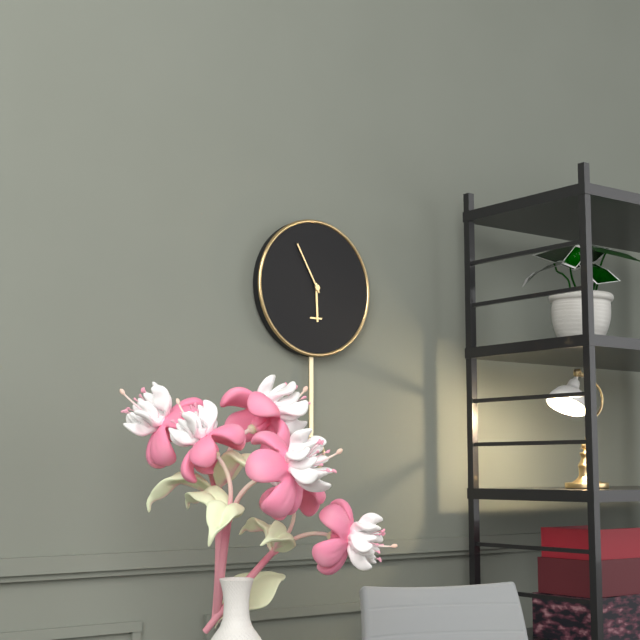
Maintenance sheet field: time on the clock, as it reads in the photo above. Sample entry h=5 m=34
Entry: h=5 m=55
